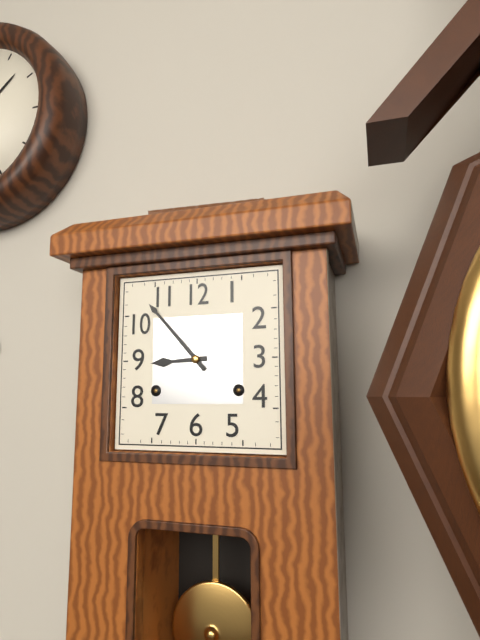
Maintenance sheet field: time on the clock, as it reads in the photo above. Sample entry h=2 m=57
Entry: h=8 m=53
